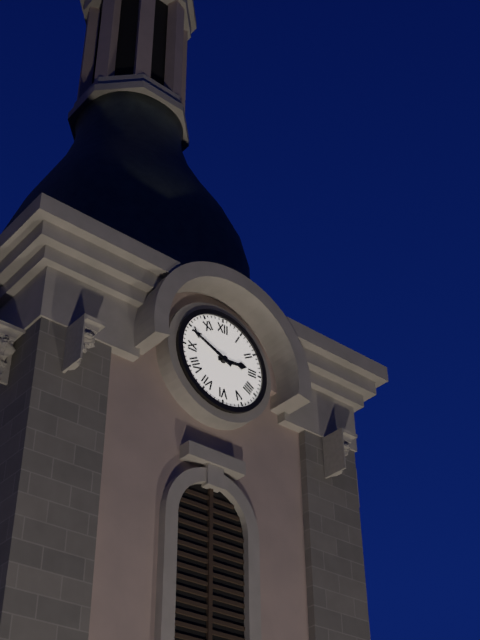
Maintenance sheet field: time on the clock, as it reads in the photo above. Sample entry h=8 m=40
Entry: h=2 m=49
